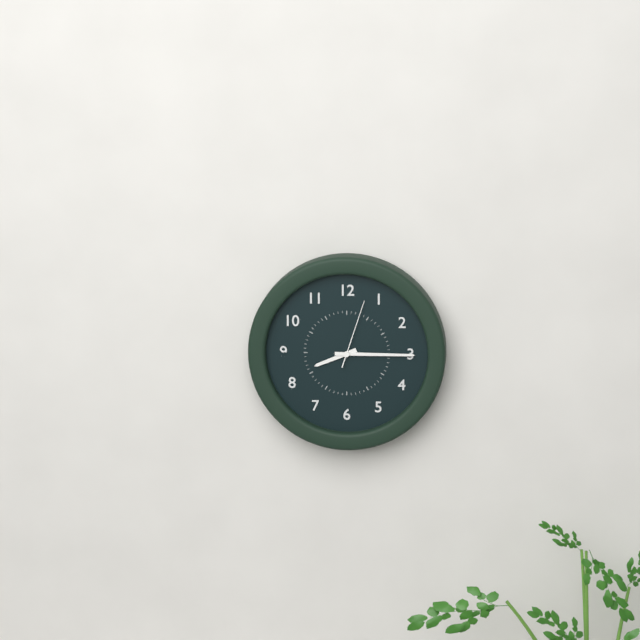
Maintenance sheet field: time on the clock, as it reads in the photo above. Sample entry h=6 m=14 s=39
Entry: h=8 m=15 s=3
